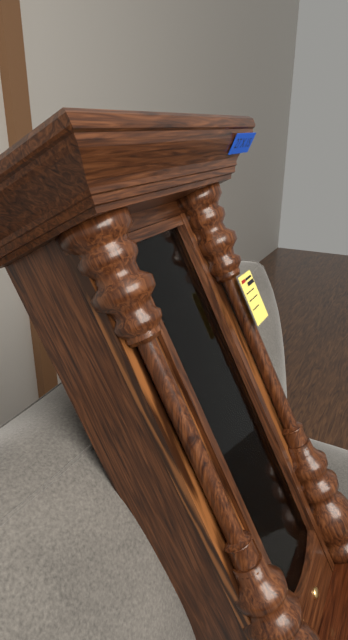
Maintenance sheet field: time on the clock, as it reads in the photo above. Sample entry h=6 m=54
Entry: h=4 m=9
